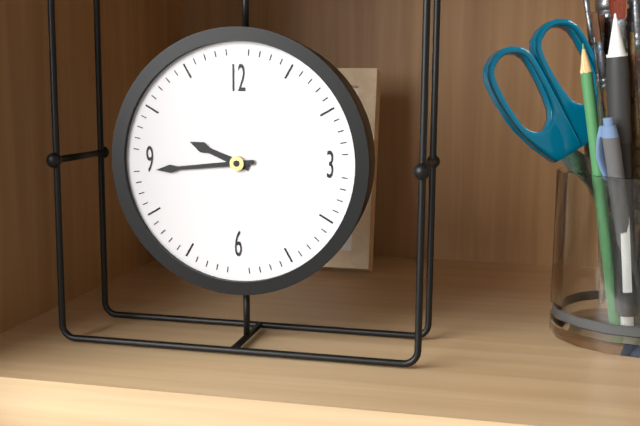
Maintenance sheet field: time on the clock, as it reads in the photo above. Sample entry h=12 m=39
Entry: h=9 m=44
